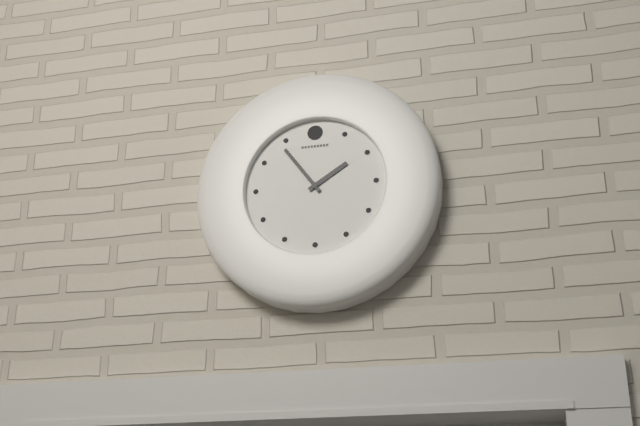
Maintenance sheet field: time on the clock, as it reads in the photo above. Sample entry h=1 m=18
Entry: h=1 m=54
